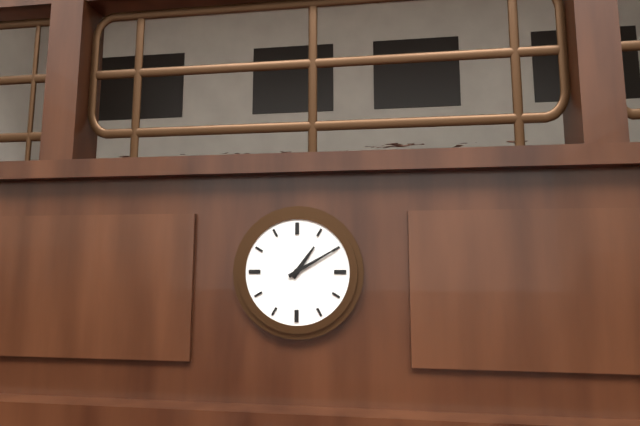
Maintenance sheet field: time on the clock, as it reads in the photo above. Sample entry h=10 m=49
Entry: h=1 m=10
